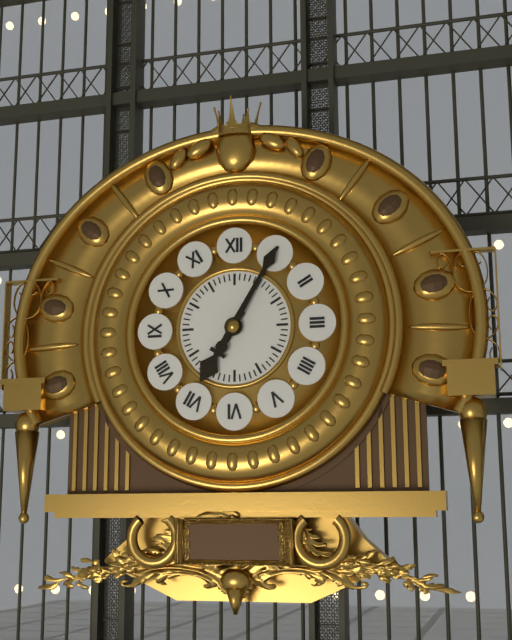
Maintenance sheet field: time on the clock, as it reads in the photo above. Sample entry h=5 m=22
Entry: h=7 m=5
